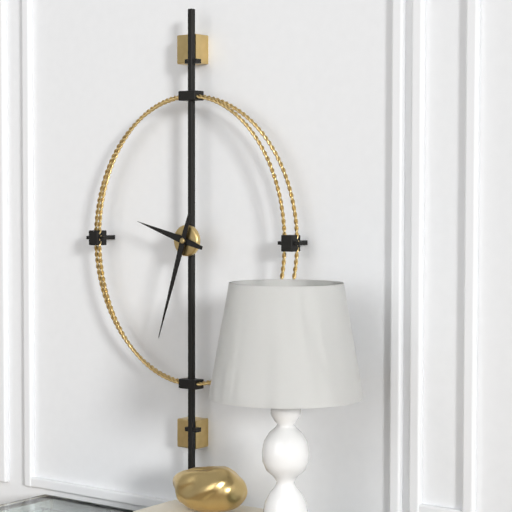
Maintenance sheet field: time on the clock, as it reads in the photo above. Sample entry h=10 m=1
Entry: h=9 m=33
